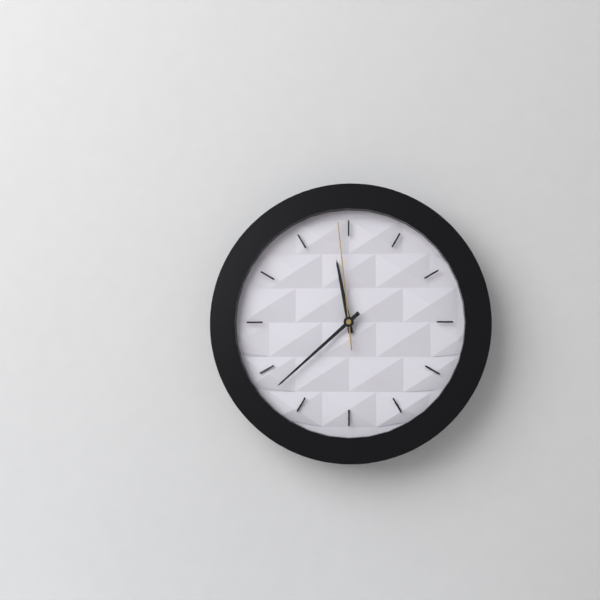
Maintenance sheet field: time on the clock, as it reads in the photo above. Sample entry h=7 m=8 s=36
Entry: h=11 m=38 s=59
